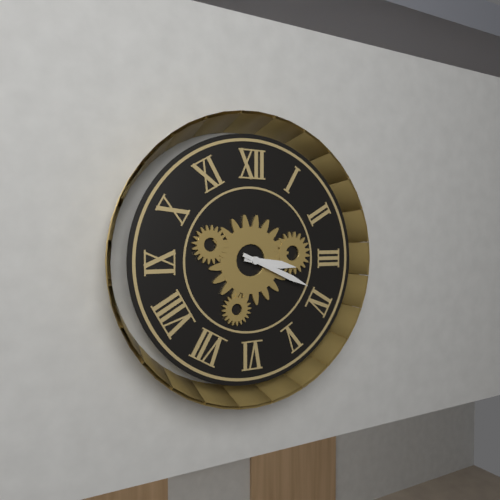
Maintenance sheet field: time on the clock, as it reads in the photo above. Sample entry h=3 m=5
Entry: h=3 m=19
